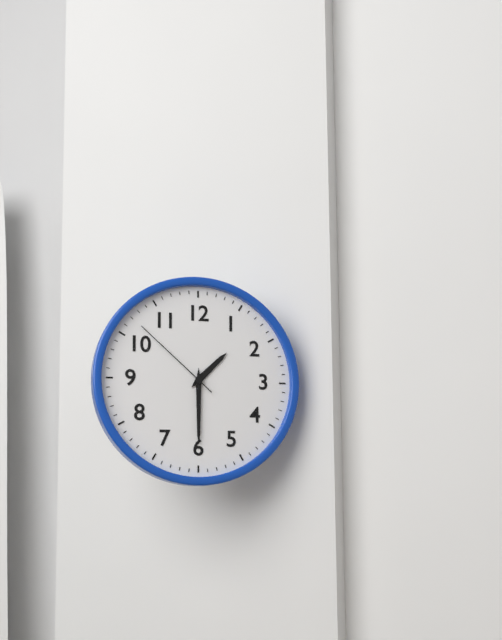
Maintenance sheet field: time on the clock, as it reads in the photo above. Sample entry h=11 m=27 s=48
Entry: h=1 m=30 s=52
